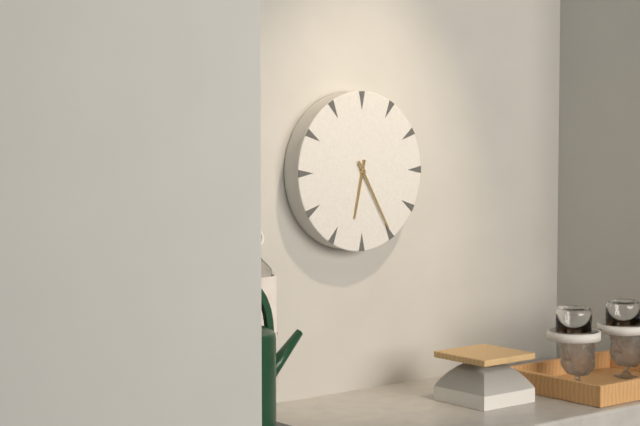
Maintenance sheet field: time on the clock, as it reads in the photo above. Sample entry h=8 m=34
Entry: h=6 m=25
